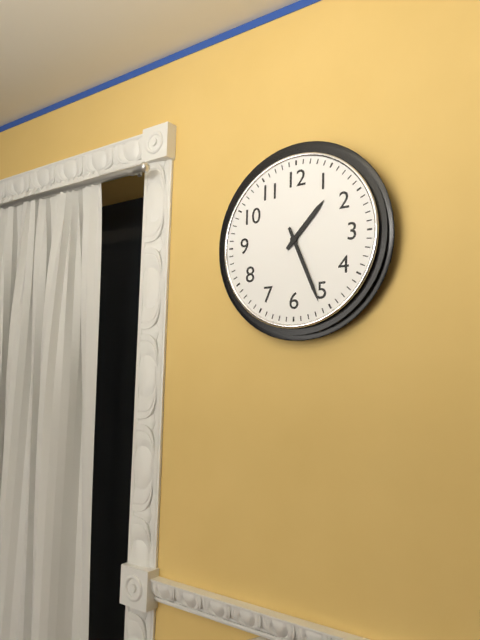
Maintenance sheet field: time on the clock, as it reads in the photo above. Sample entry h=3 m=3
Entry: h=1 m=26
